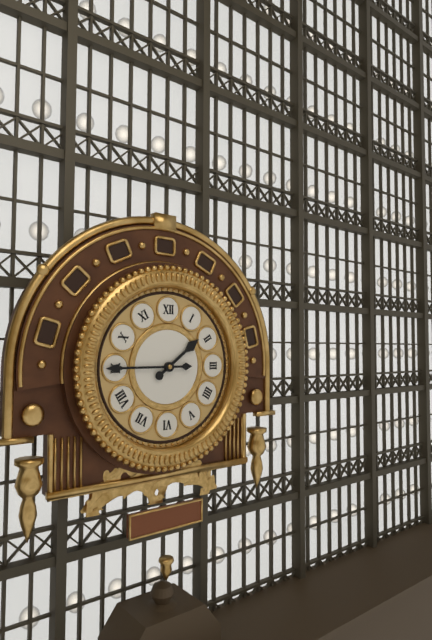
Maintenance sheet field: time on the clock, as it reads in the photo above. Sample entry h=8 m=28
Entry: h=1 m=45
